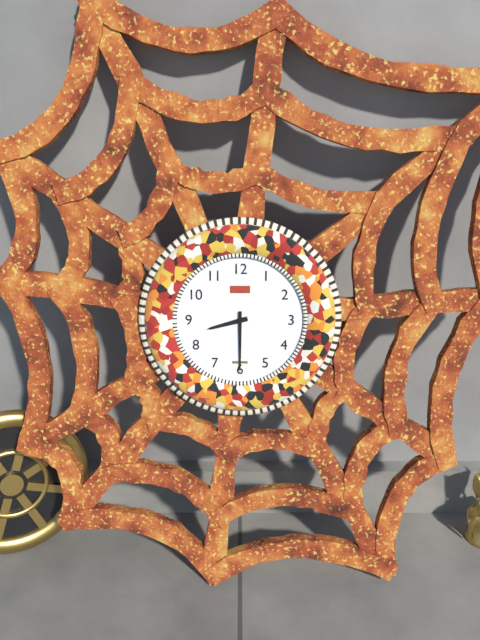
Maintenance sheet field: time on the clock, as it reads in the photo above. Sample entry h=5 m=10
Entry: h=8 m=30
